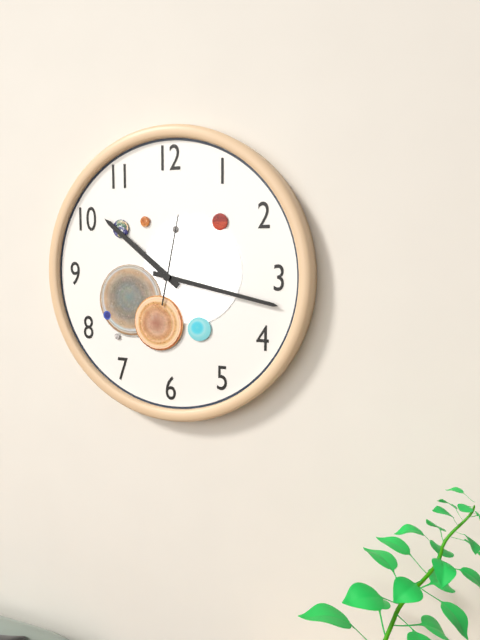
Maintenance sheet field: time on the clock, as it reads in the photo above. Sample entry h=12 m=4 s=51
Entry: h=10 m=17 s=2
